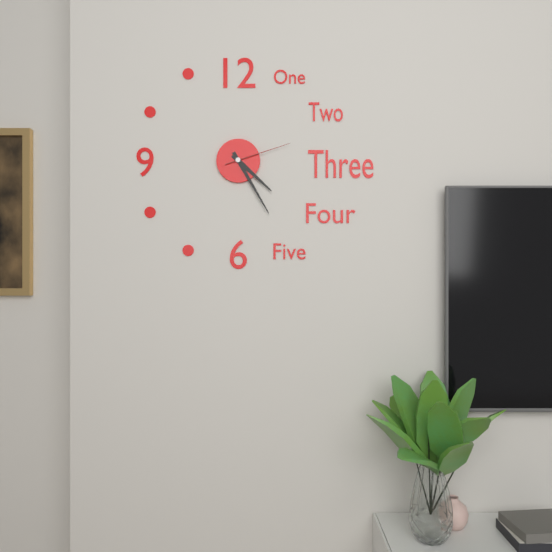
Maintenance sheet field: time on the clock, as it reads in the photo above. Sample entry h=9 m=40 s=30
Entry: h=4 m=25 s=12
